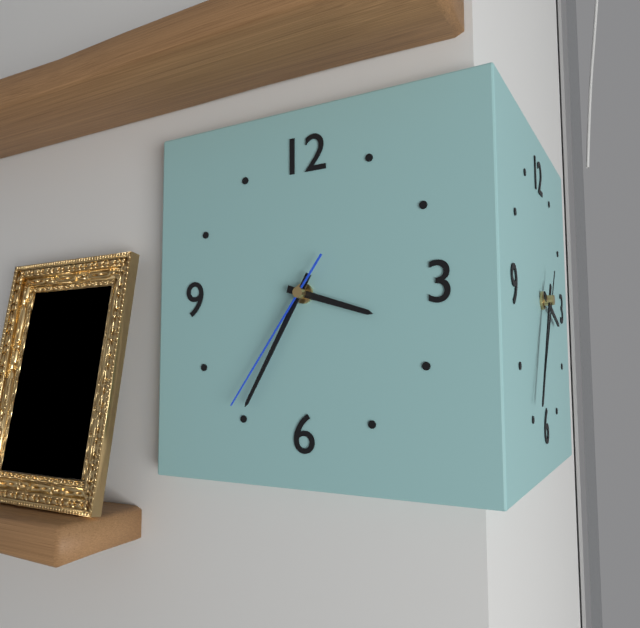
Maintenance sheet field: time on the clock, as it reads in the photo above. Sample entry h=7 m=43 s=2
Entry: h=3 m=35 s=36
